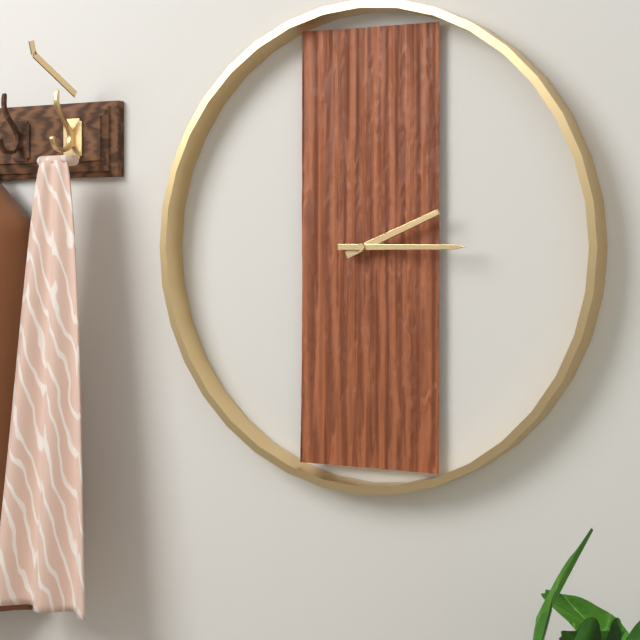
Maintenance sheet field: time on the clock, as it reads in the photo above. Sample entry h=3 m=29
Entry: h=2 m=15
